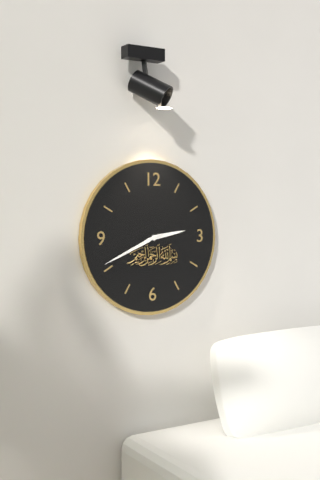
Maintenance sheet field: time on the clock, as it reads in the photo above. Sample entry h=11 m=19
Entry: h=2 m=41
